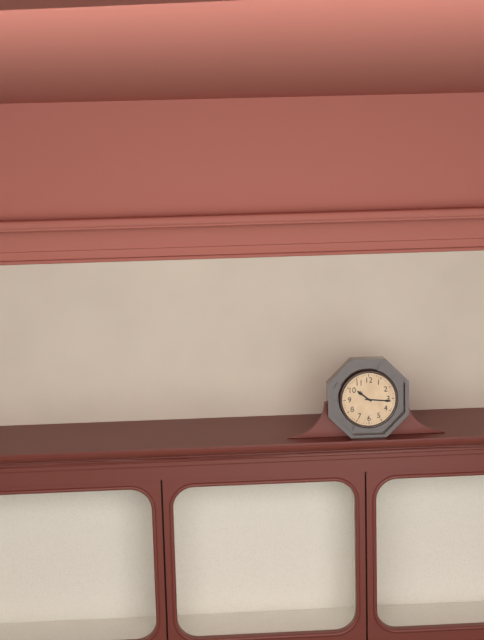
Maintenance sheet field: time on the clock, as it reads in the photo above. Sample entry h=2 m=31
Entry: h=10 m=16
